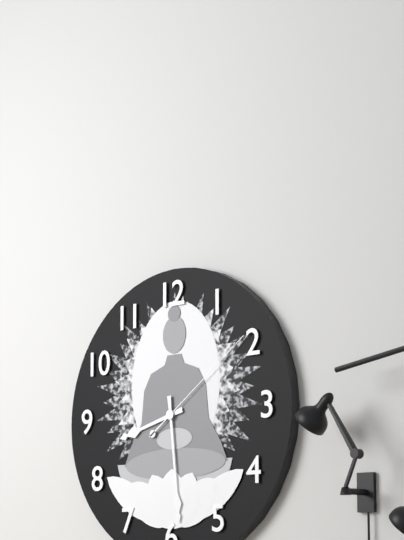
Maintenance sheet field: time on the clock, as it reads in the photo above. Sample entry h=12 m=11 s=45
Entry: h=8 m=29 s=9
